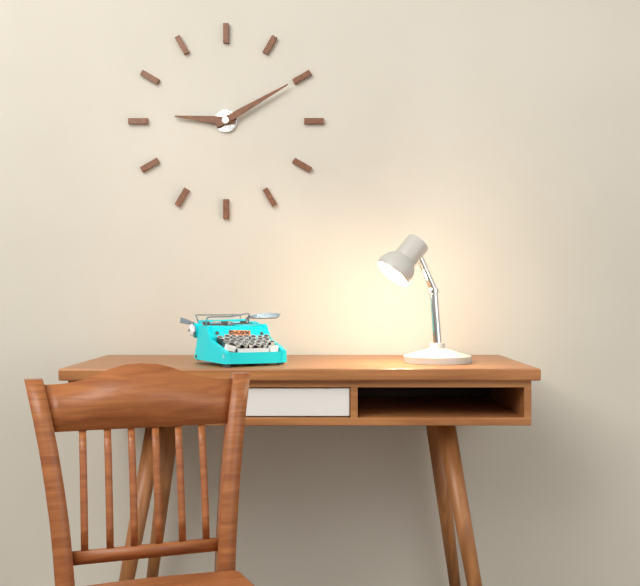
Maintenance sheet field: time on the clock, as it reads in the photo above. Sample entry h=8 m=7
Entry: h=9 m=10
